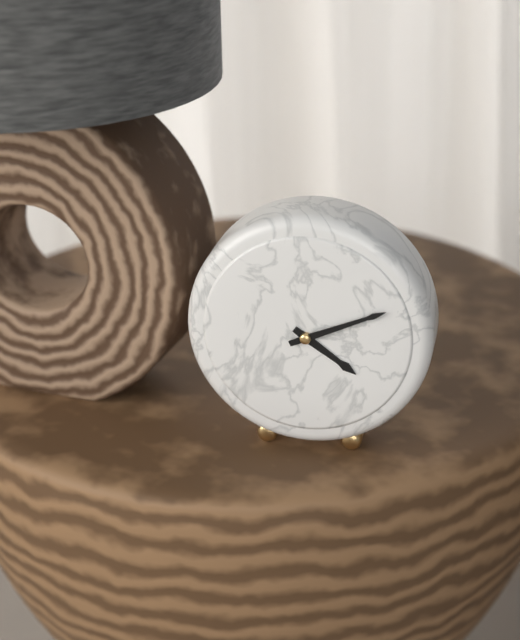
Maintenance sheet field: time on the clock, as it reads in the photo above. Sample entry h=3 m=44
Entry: h=4 m=11
